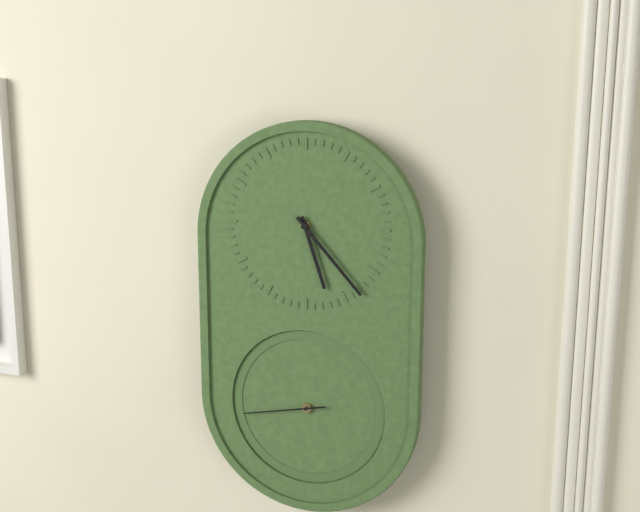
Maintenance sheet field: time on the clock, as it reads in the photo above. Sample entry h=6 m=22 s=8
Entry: h=5 m=23 s=43
